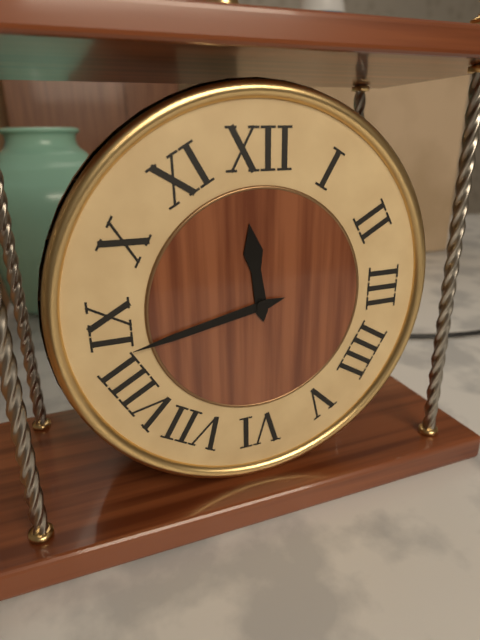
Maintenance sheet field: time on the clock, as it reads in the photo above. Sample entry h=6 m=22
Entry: h=11 m=43
